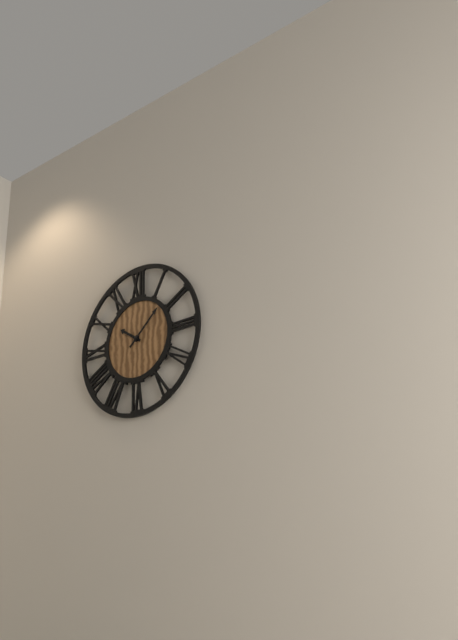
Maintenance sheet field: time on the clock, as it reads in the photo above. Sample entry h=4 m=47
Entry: h=10 m=8
